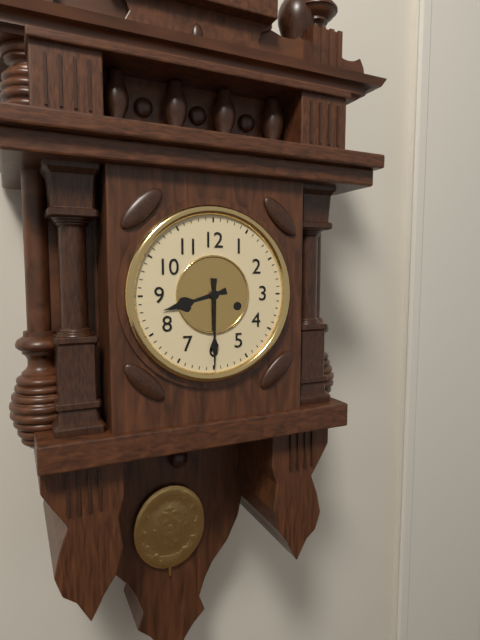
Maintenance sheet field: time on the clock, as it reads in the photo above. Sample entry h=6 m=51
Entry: h=8 m=30
